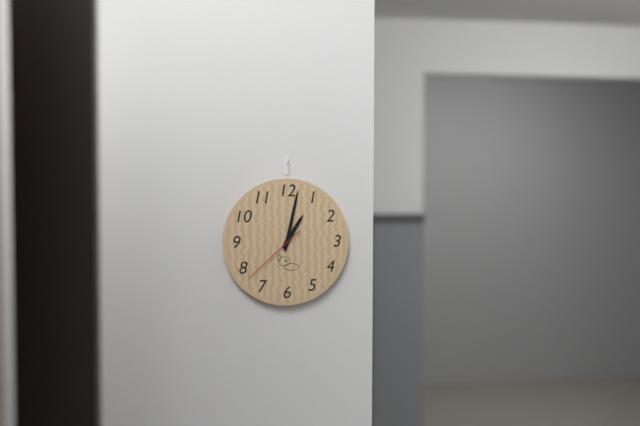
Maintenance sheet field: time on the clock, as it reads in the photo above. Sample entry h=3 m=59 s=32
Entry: h=1 m=2 s=38
